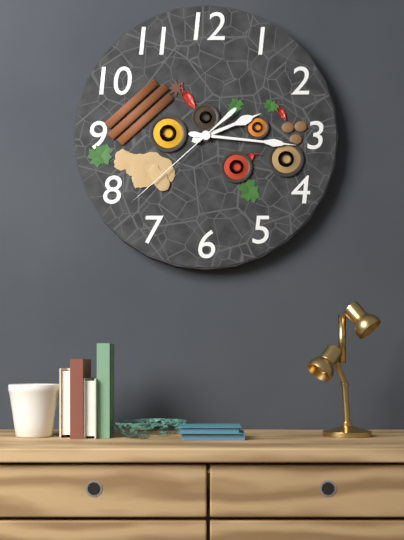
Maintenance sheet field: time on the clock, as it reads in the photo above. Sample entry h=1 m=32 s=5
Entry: h=2 m=16 s=38
